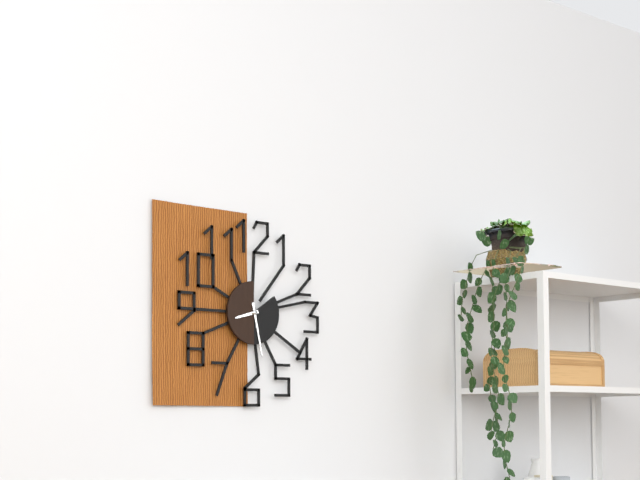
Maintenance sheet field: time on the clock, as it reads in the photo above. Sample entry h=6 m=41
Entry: h=8 m=28
